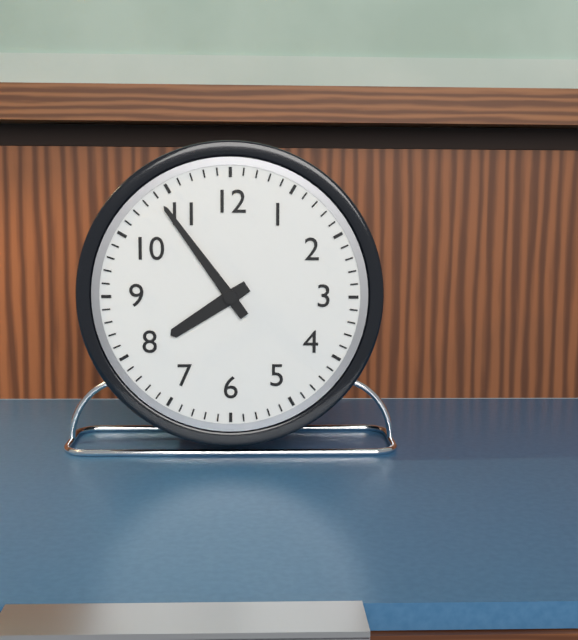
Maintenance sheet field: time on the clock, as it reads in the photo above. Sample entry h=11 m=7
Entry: h=7 m=54
